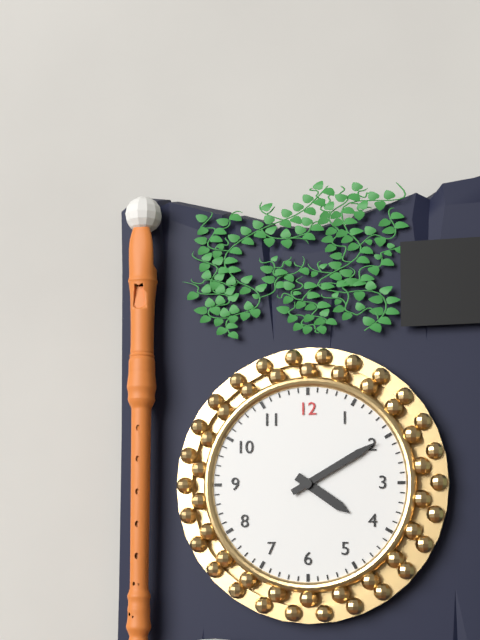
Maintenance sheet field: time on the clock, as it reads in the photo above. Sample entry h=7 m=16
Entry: h=4 m=10
